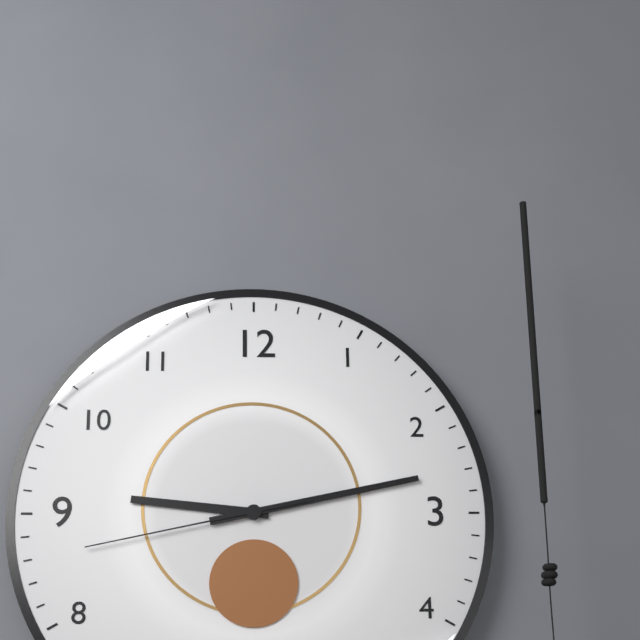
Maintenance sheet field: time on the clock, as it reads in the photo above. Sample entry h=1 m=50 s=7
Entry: h=9 m=13 s=43
